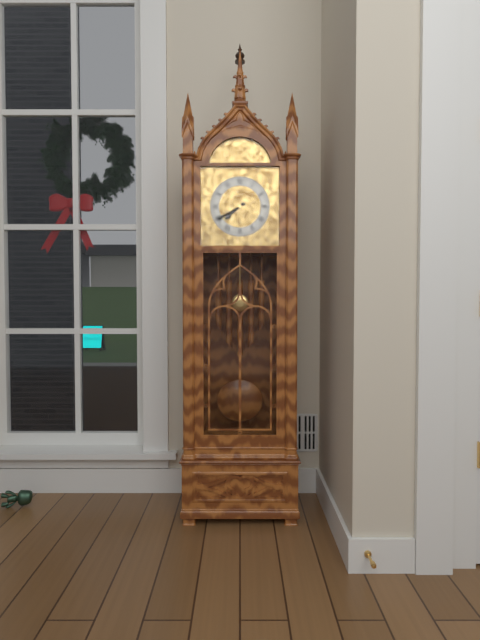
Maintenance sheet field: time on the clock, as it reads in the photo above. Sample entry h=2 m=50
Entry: h=7 m=40
